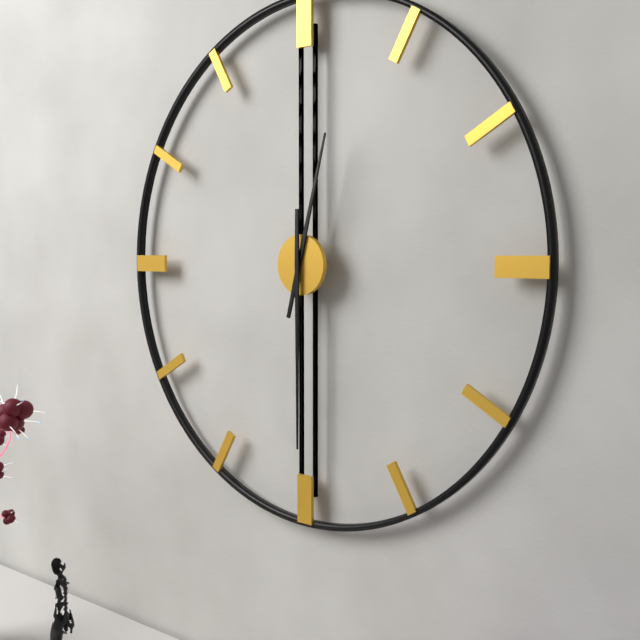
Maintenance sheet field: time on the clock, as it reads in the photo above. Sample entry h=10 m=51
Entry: h=12 m=30
